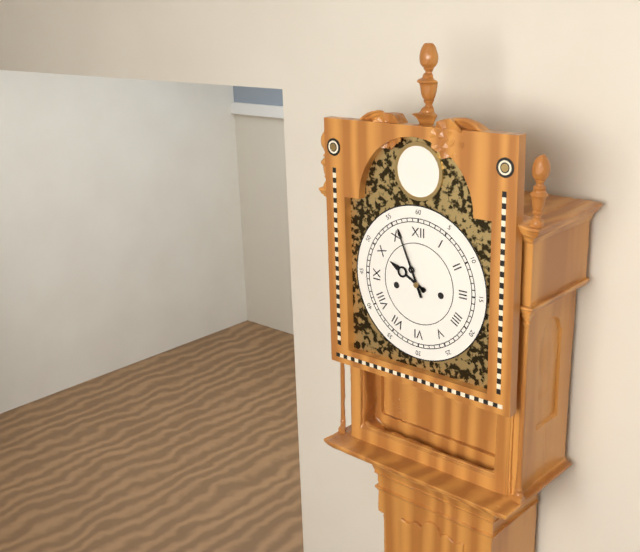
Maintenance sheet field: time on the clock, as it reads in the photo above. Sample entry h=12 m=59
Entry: h=9 m=56
